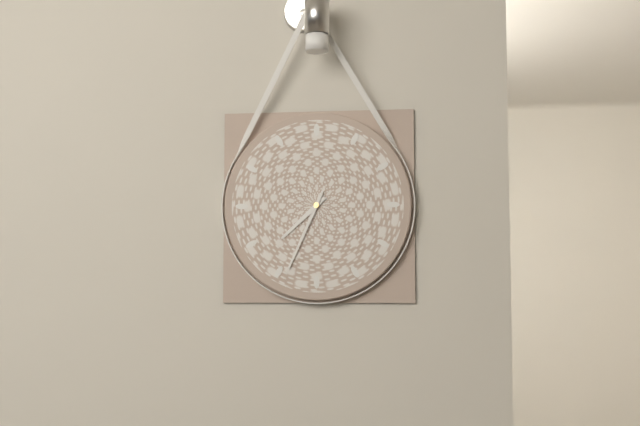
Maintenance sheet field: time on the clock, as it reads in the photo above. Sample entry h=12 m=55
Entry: h=7 m=34
